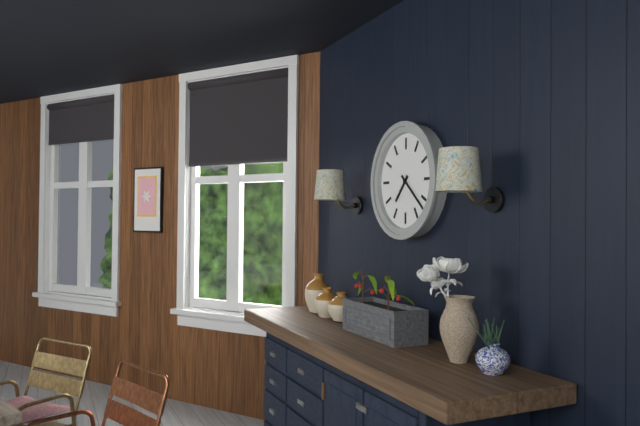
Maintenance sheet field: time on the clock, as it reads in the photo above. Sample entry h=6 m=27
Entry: h=7 m=22
